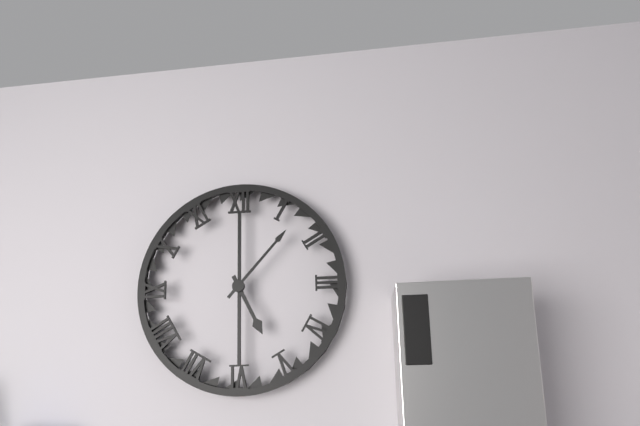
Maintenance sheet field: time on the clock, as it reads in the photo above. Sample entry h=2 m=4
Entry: h=5 m=7
